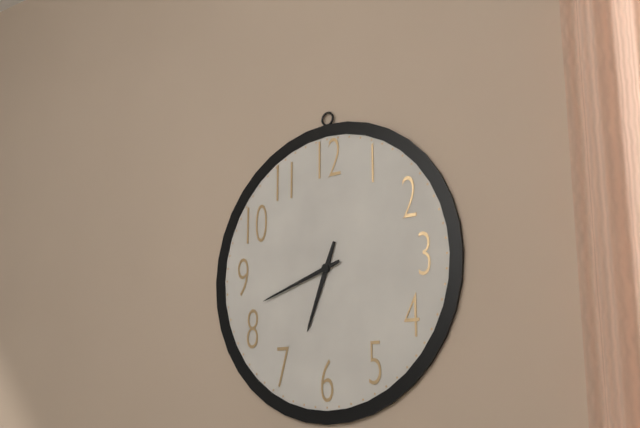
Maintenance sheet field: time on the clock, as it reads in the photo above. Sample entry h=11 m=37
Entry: h=6 m=42
